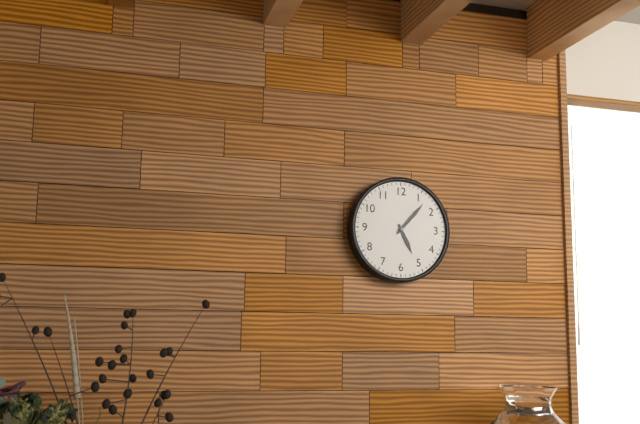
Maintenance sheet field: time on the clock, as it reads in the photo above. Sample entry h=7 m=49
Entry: h=5 m=7
